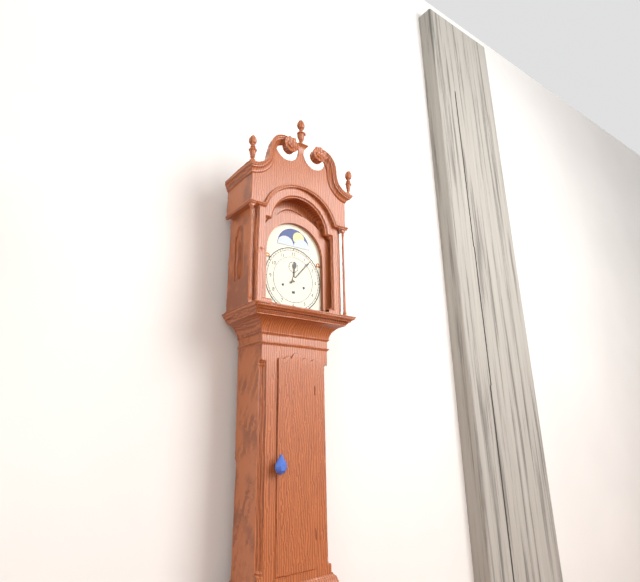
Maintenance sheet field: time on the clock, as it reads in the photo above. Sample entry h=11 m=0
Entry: h=12 m=7
